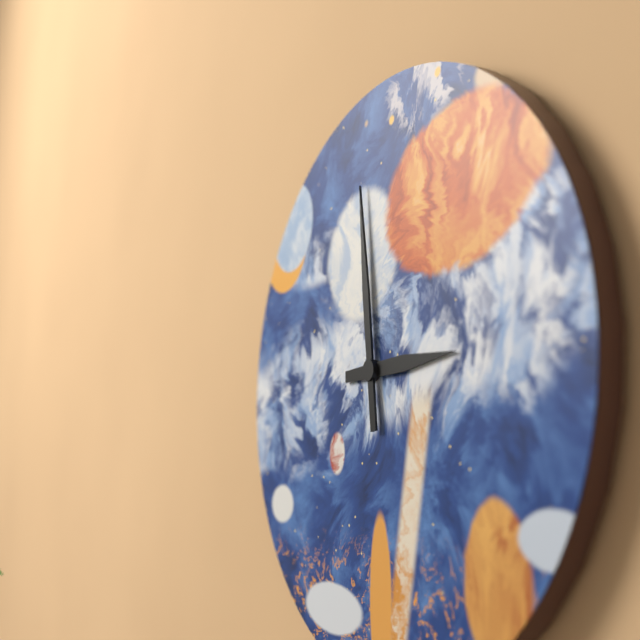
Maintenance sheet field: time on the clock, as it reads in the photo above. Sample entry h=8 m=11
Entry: h=2 m=59
